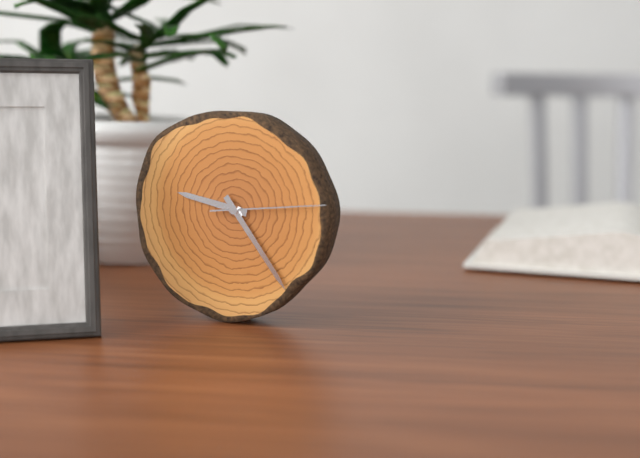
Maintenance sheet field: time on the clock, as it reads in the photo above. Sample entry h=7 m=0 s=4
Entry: h=9 m=24 s=14
